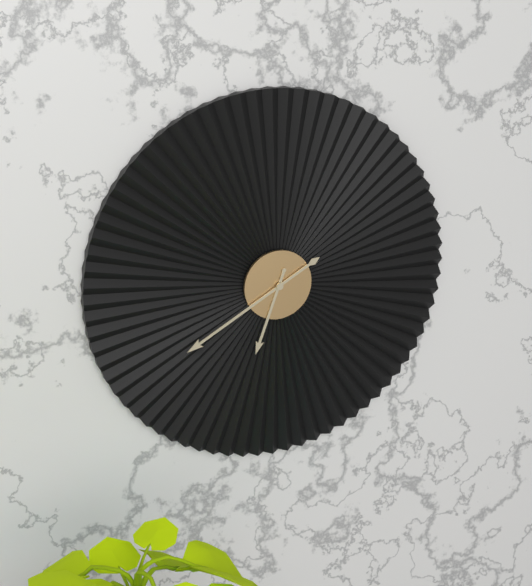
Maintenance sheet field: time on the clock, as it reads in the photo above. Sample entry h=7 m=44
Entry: h=6 m=40
